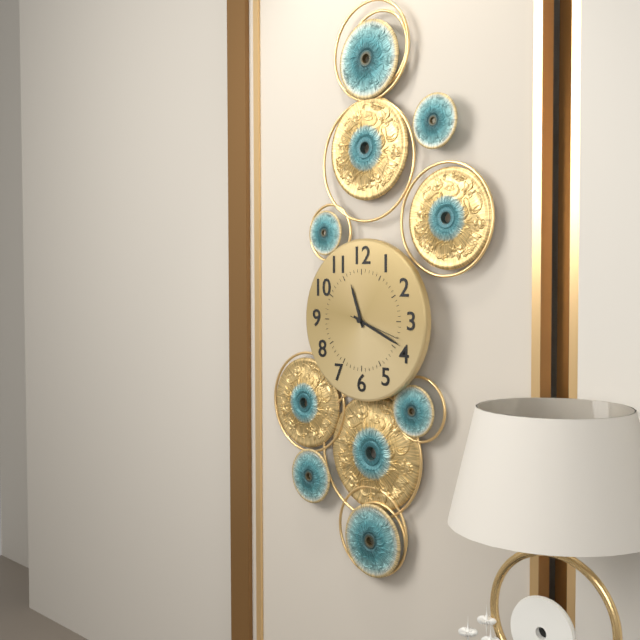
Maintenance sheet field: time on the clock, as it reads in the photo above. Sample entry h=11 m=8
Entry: h=11 m=19
